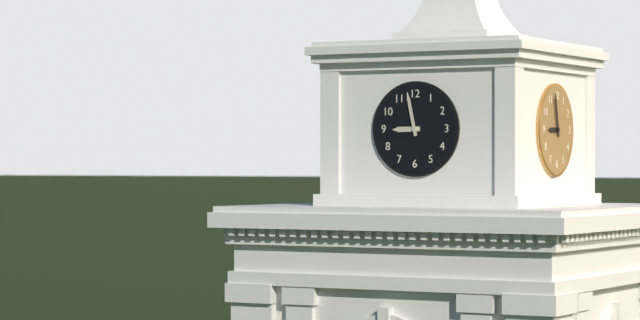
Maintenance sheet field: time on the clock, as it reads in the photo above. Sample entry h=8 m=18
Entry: h=8 m=58
